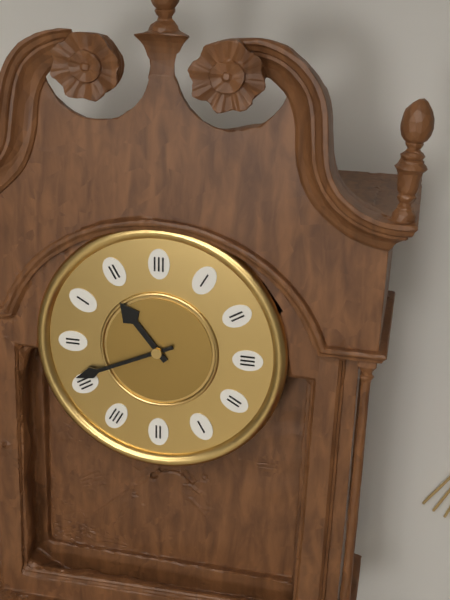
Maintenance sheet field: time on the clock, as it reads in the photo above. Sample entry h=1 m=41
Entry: h=10 m=41
